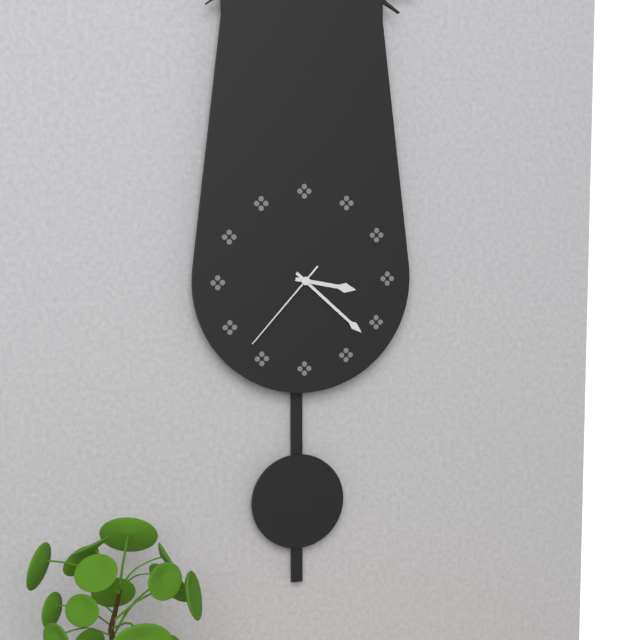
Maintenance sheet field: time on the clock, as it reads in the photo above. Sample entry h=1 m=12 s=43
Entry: h=3 m=22 s=37
